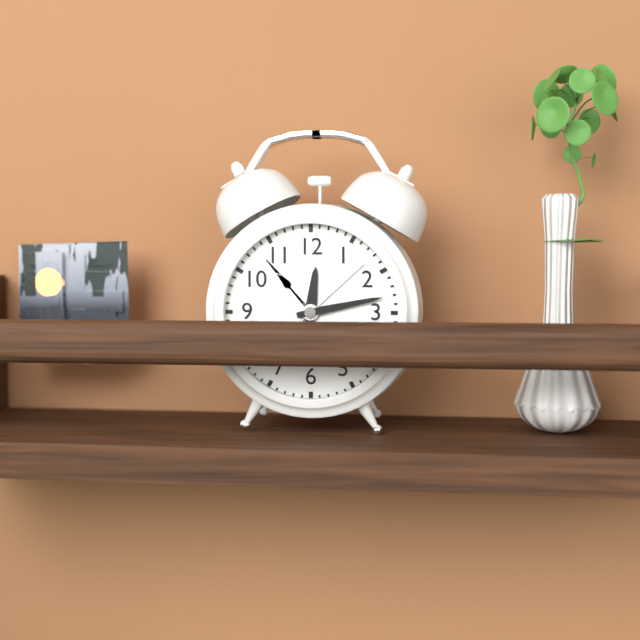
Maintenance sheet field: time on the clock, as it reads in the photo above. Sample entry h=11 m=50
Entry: h=12 m=13
